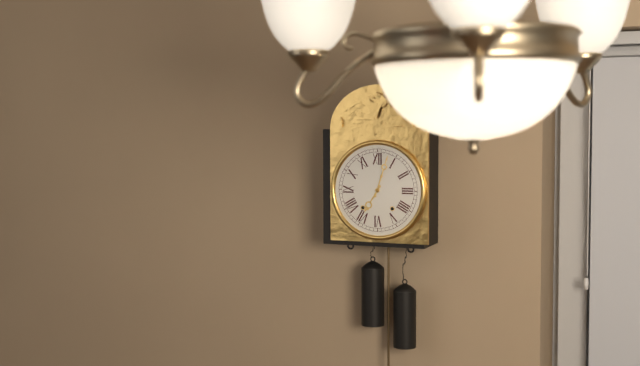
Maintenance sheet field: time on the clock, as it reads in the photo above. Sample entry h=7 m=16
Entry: h=7 m=3
